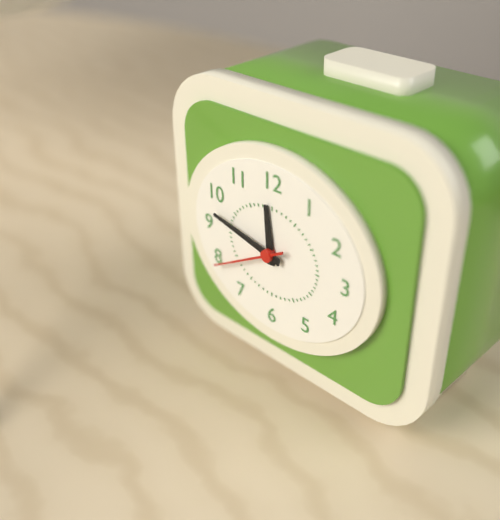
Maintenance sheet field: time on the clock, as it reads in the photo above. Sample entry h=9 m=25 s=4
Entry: h=11 m=47 s=40
